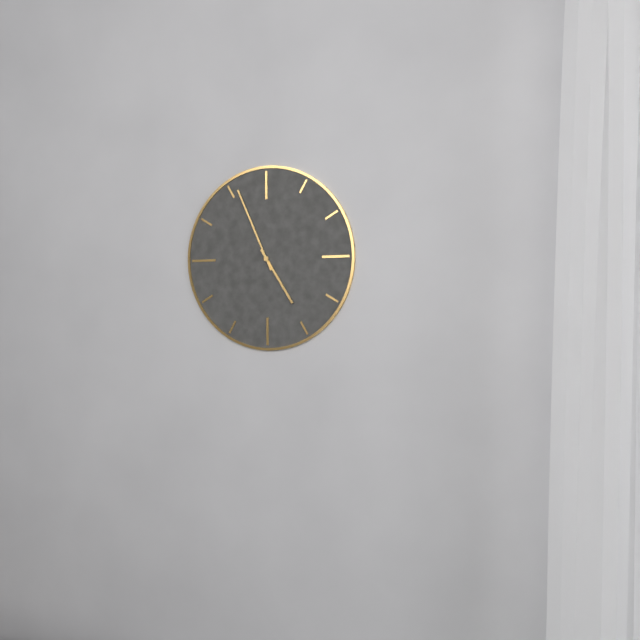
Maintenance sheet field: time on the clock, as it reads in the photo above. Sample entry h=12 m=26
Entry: h=4 m=56
